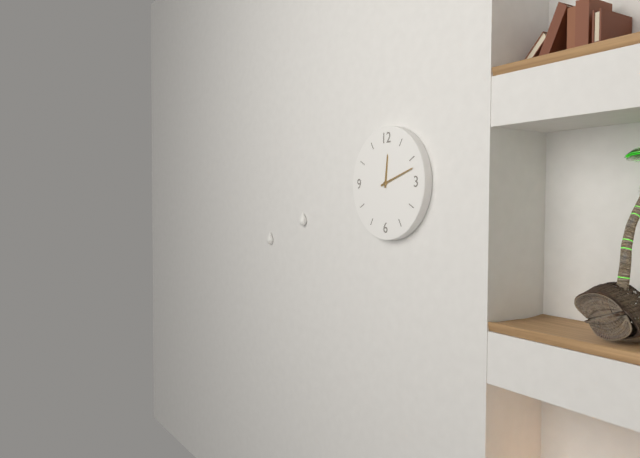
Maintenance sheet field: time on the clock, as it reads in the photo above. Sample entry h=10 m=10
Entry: h=12 m=12
